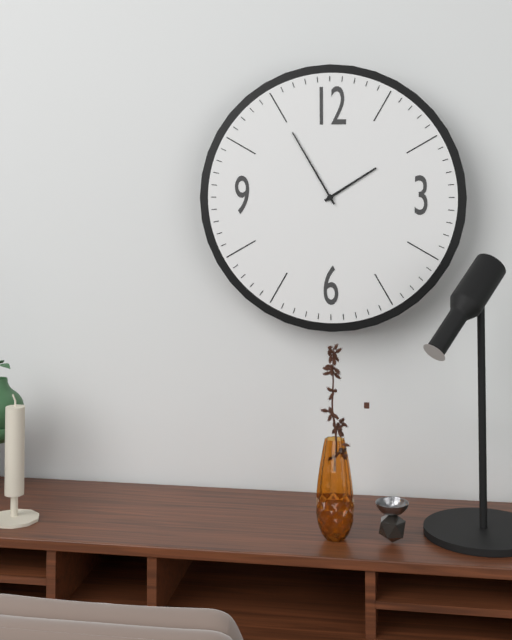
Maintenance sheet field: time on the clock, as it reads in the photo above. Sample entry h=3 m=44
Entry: h=1 m=55
